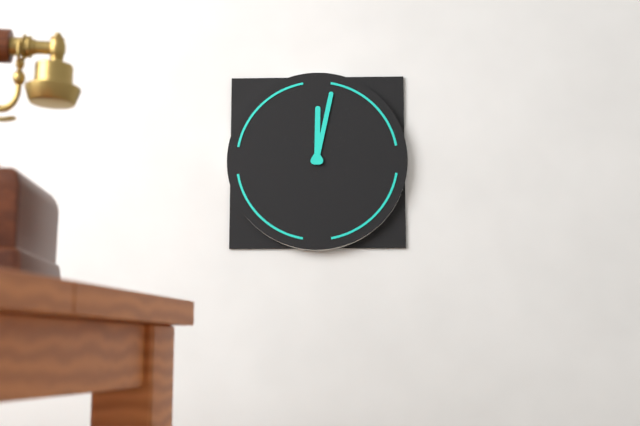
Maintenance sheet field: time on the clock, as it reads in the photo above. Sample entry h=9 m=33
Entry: h=12 m=2
